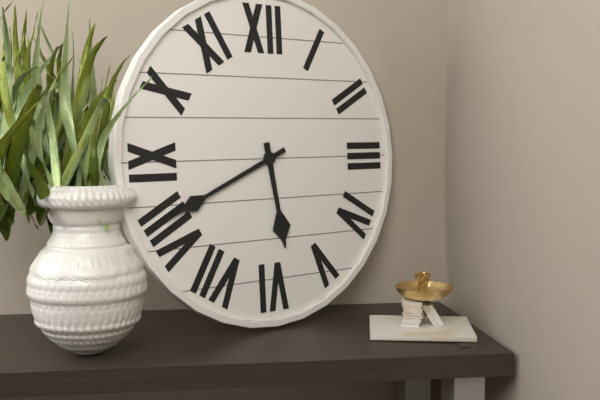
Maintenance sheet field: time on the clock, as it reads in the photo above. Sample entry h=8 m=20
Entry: h=5 m=41
